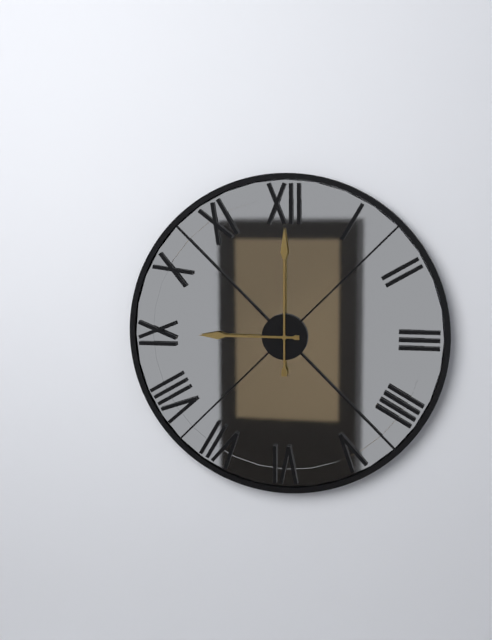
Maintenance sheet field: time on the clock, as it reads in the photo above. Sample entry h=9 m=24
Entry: h=9 m=0
